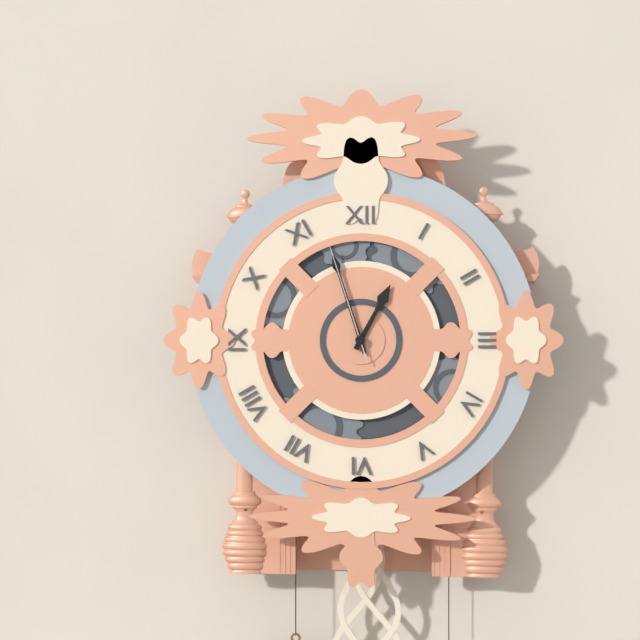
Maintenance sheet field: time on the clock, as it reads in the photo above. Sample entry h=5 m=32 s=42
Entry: h=12 m=57 s=57
